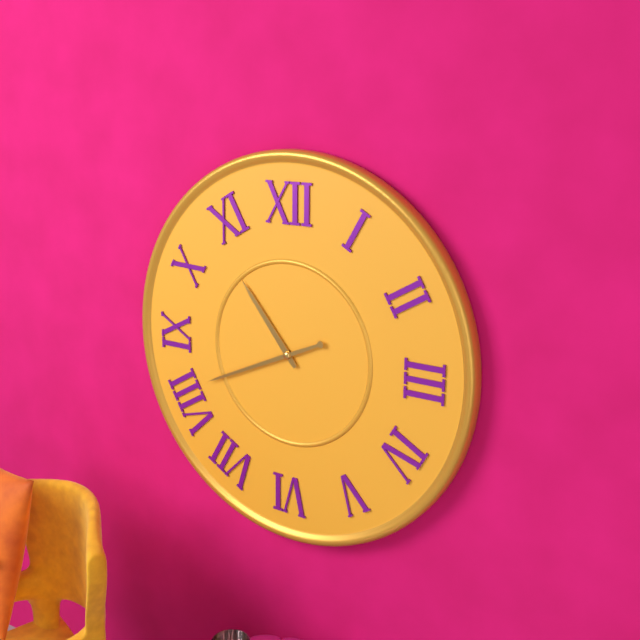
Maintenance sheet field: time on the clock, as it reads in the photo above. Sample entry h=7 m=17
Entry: h=10 m=41
